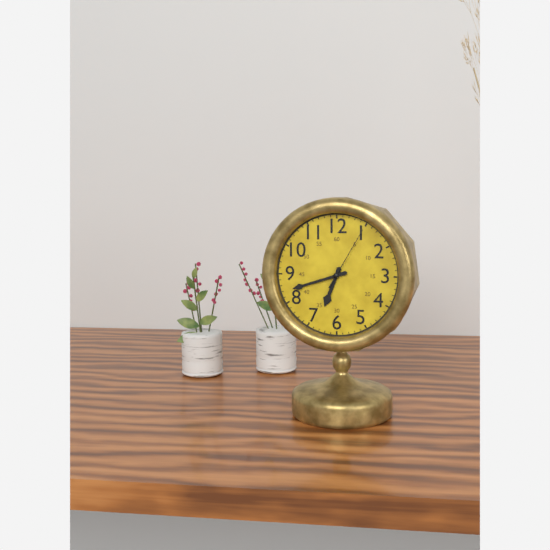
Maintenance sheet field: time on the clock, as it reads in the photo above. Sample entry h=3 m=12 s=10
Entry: h=6 m=42 s=5
